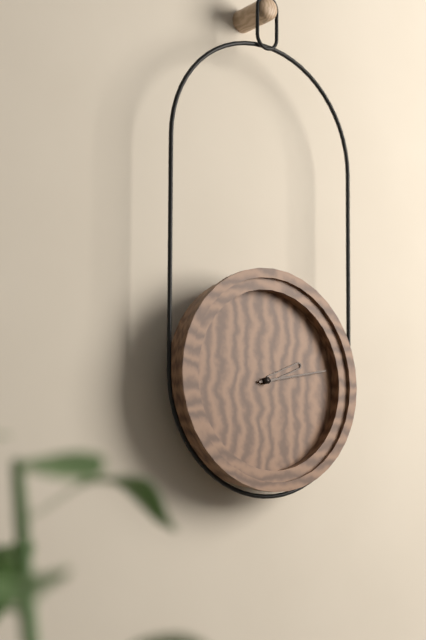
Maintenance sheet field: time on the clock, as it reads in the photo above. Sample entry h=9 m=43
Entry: h=2 m=13
